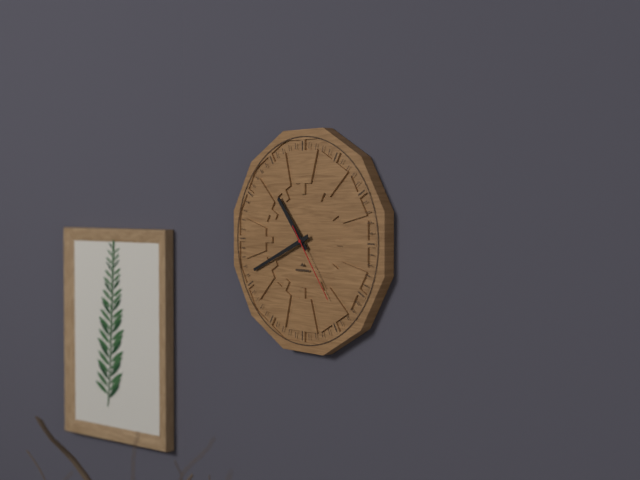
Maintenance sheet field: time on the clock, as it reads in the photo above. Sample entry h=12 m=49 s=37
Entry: h=10 m=41 s=24
